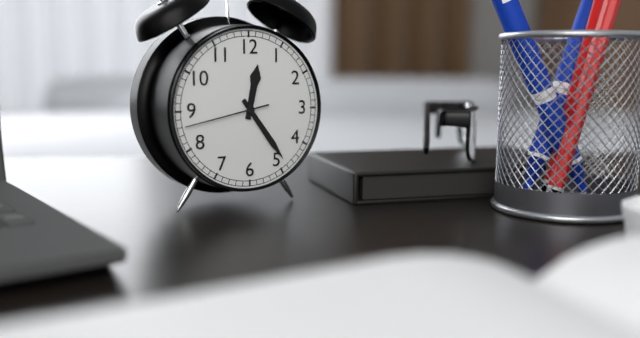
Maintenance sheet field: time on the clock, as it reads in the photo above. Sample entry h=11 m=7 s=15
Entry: h=12 m=24 s=43
